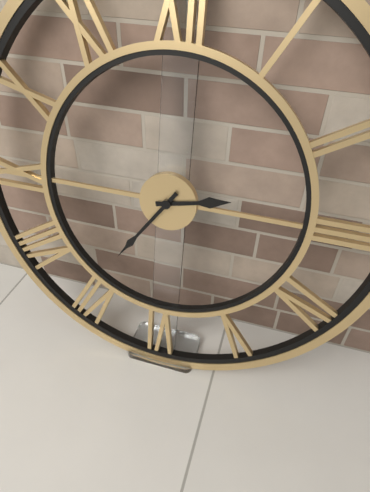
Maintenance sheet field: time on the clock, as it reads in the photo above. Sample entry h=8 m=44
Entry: h=2 m=36
